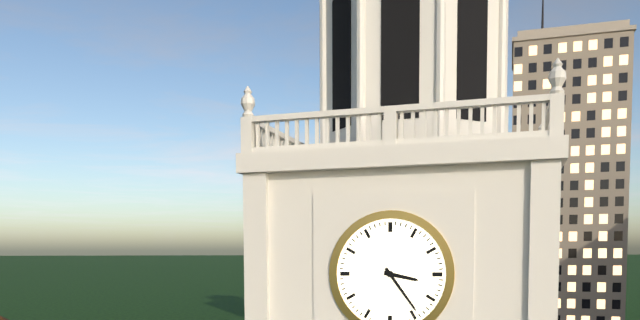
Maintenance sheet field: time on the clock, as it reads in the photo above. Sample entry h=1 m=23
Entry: h=3 m=24
